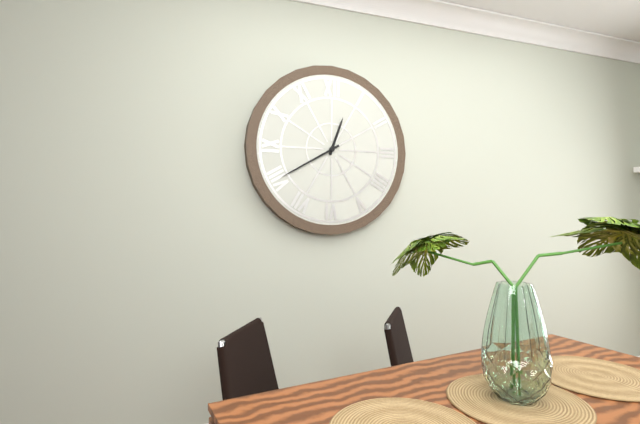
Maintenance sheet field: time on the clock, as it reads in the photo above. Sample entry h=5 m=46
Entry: h=12 m=40
